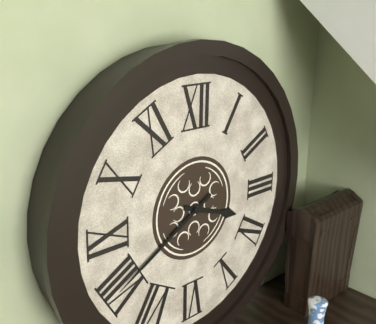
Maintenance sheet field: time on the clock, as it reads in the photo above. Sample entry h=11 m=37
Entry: h=3 m=40
